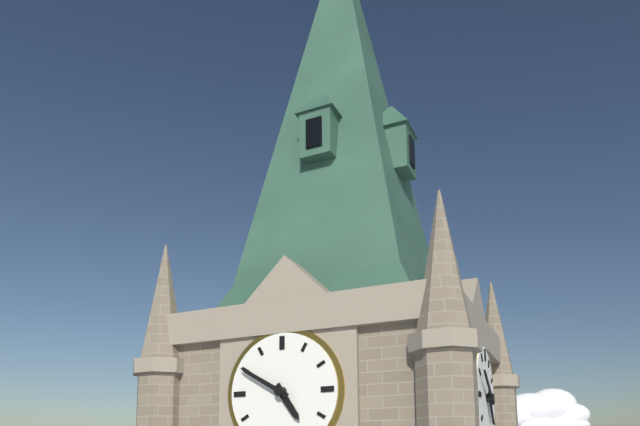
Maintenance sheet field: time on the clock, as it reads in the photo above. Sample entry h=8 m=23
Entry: h=4 m=50
